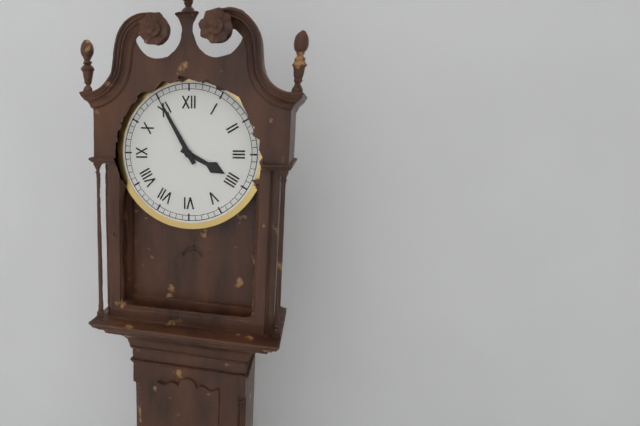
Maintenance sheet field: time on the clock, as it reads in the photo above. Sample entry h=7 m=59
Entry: h=3 m=55
